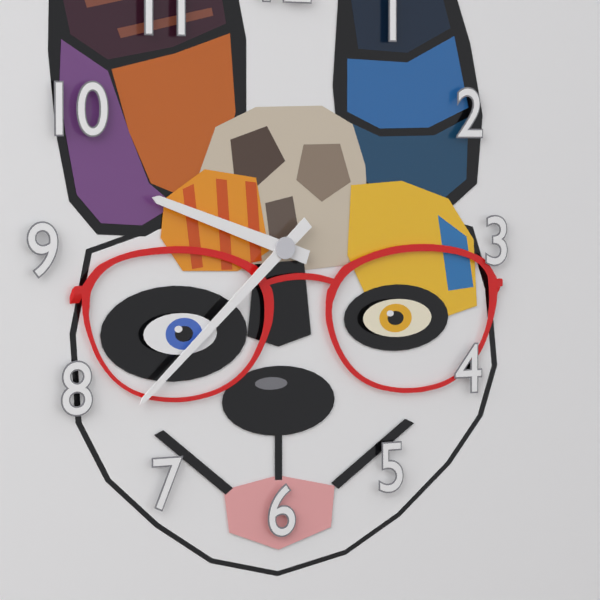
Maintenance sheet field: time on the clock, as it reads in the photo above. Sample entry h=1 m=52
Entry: h=9 m=38
